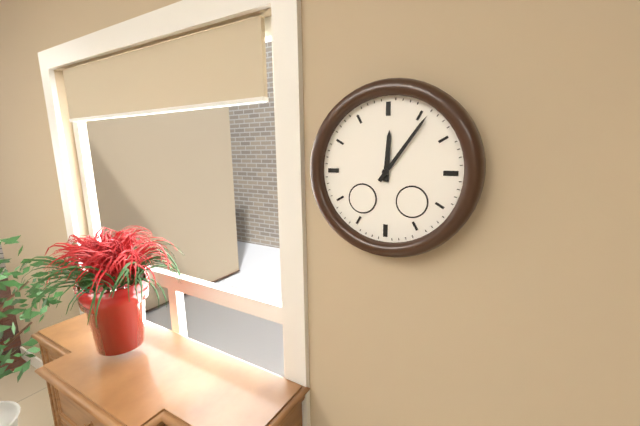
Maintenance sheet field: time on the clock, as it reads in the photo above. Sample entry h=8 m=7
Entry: h=12 m=6
